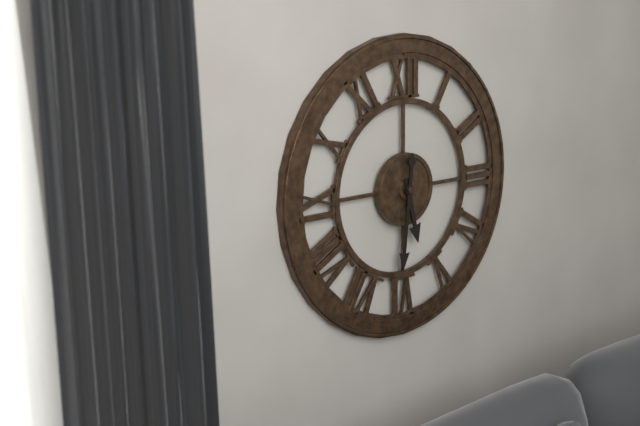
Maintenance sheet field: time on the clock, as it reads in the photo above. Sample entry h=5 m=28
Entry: h=5 m=31
